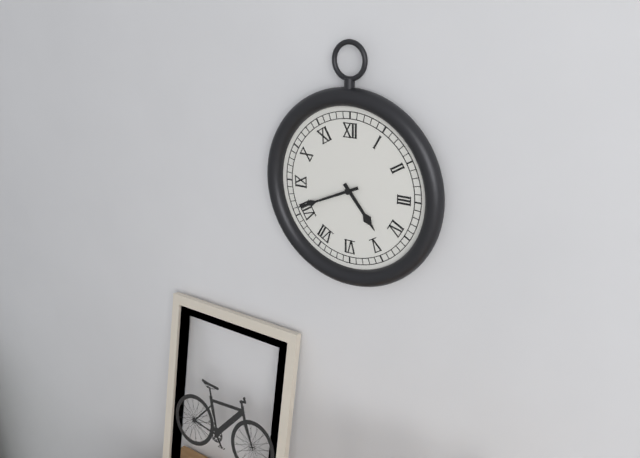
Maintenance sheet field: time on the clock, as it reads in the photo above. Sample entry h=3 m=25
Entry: h=4 m=41
